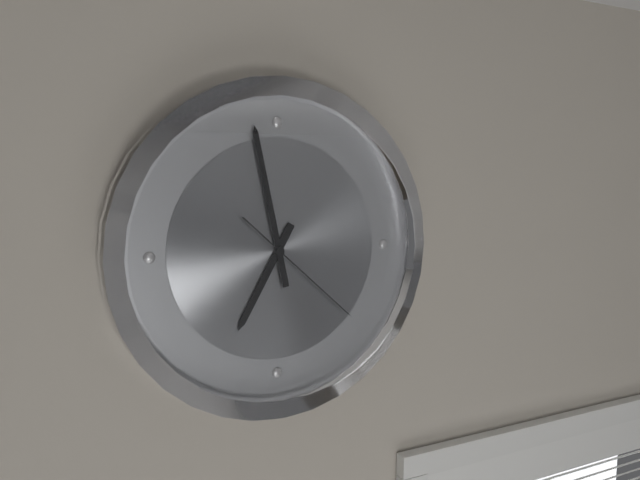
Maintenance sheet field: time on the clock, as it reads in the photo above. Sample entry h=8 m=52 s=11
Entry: h=6 m=58 s=22
